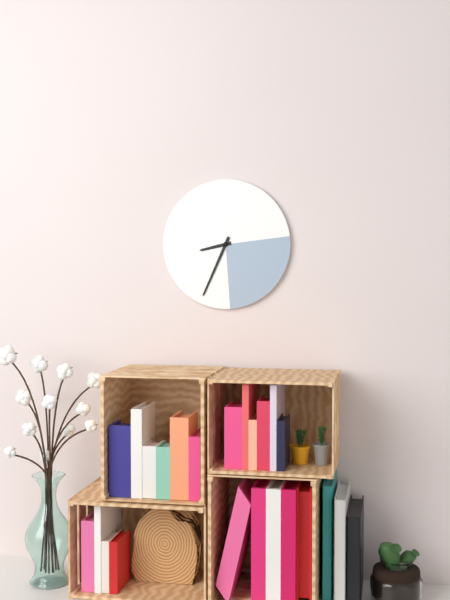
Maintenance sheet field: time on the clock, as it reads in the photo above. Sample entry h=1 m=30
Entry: h=8 m=34
